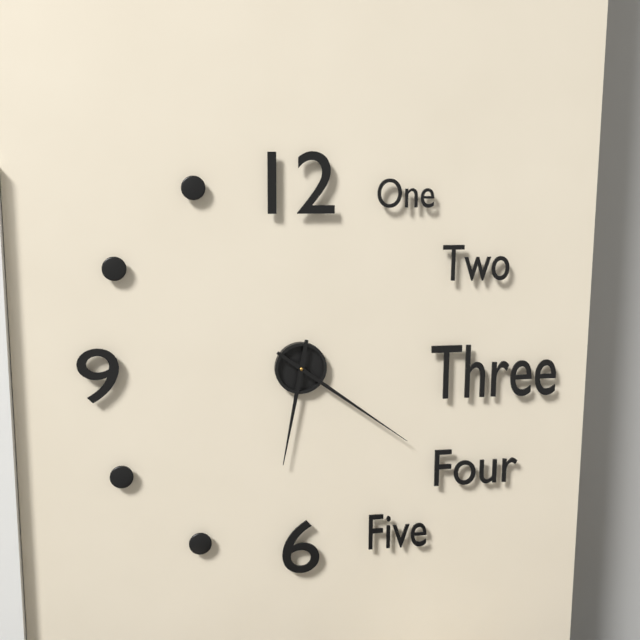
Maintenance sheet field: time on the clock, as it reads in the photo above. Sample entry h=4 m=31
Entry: h=6 m=21
